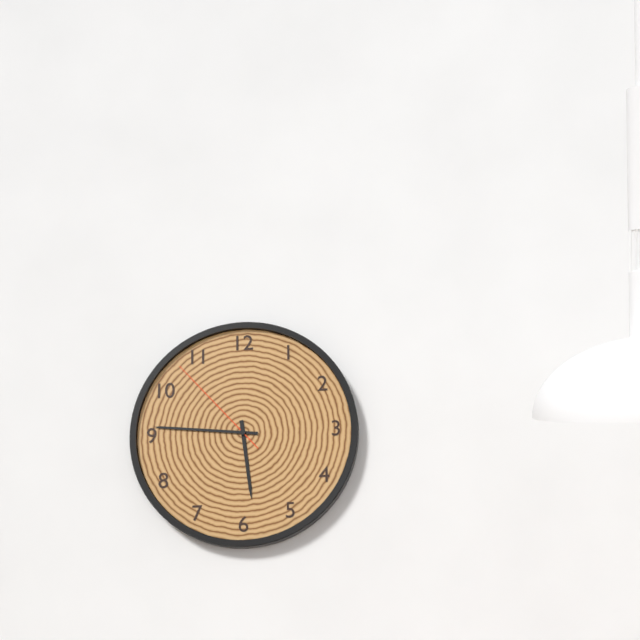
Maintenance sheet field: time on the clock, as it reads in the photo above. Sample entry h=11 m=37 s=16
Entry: h=5 m=46 s=53
